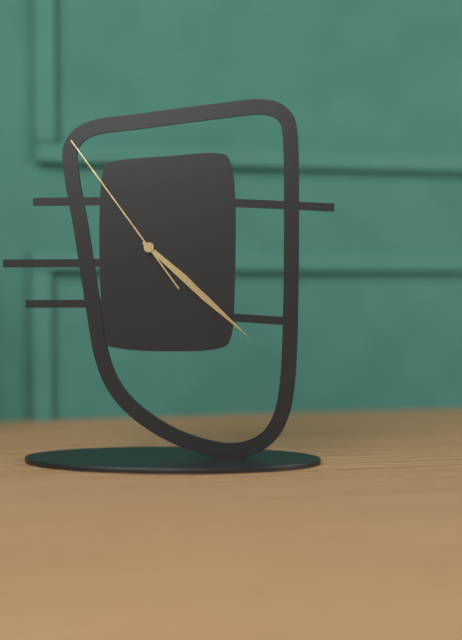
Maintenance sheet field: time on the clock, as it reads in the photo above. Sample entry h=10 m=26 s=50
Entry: h=4 m=22 s=54
